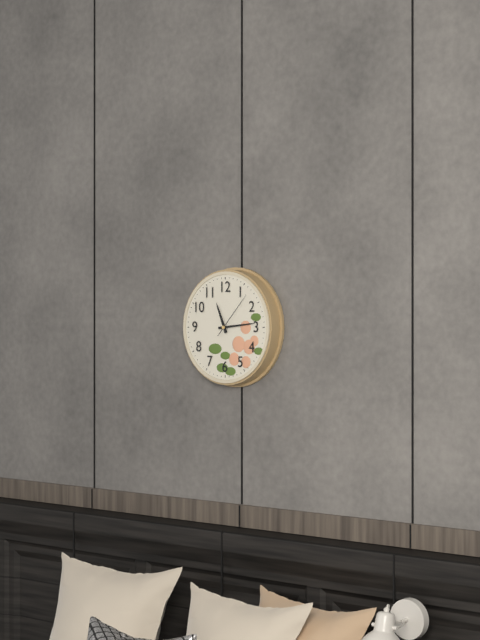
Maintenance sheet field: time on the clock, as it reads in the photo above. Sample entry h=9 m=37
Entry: h=11 m=14
